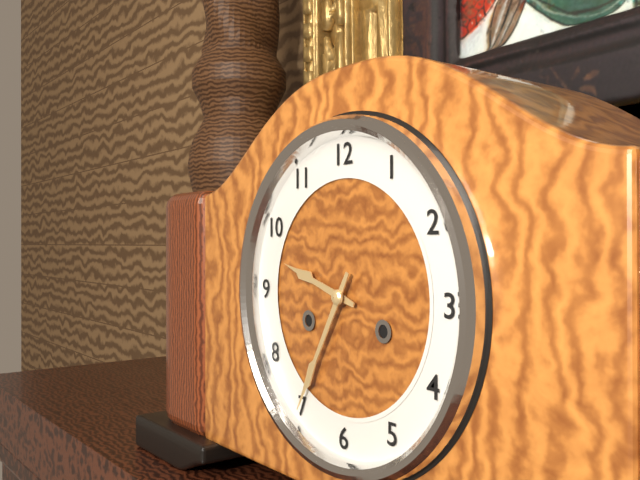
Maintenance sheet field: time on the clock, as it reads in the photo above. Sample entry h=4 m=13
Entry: h=9 m=35
